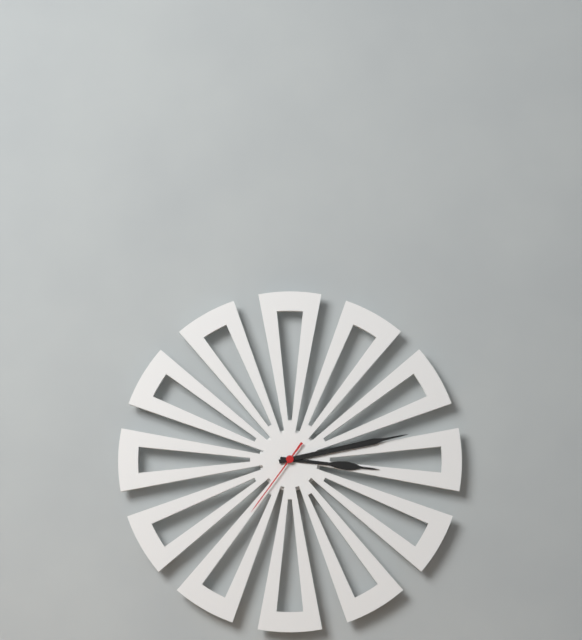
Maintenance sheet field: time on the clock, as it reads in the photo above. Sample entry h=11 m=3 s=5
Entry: h=3 m=13 s=36
